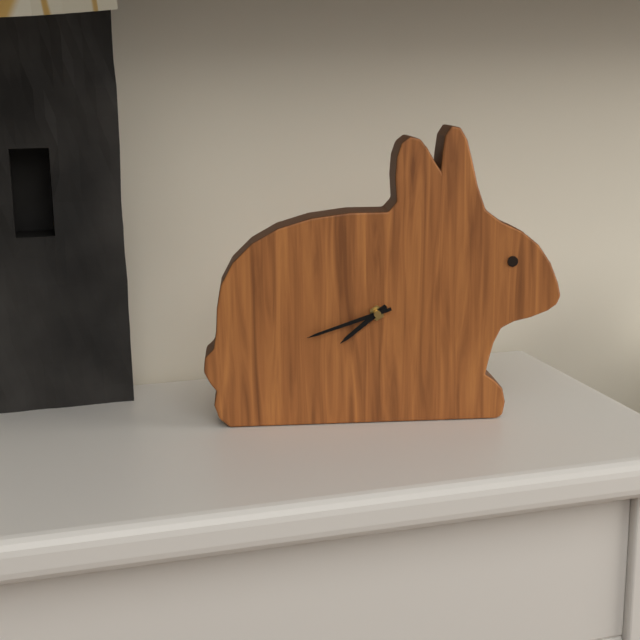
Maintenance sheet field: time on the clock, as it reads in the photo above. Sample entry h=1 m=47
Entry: h=7 m=42
